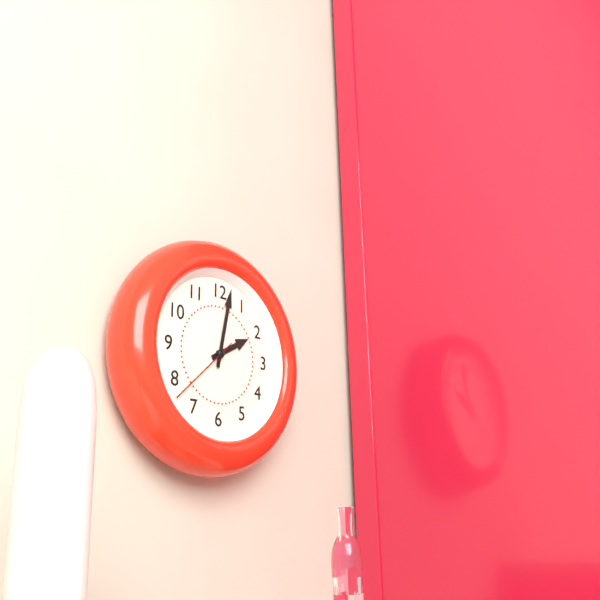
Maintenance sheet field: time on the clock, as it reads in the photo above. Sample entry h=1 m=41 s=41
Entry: h=2 m=2 s=38
